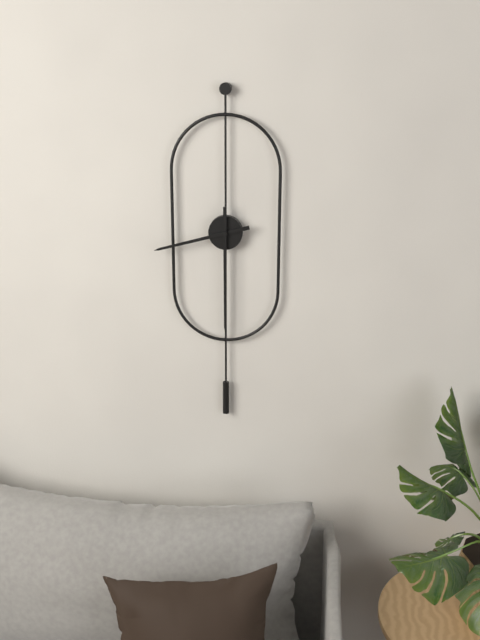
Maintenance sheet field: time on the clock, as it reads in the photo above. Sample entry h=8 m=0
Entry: h=8 m=30
